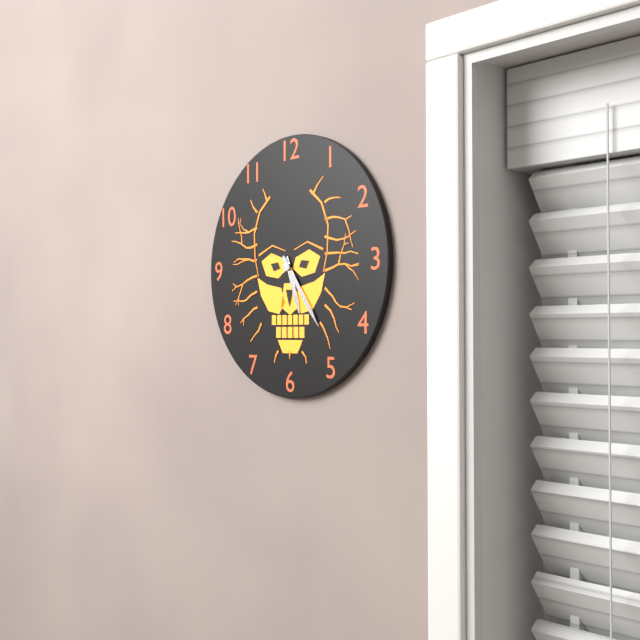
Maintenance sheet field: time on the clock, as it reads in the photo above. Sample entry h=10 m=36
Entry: h=5 m=24
